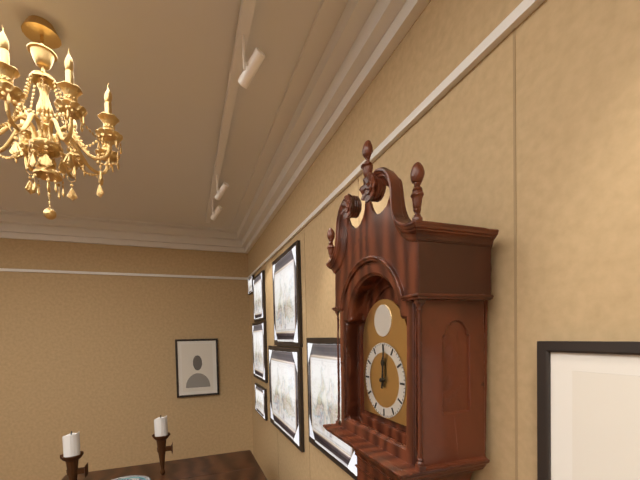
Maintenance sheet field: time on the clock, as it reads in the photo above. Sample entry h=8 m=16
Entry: h=12 m=1
